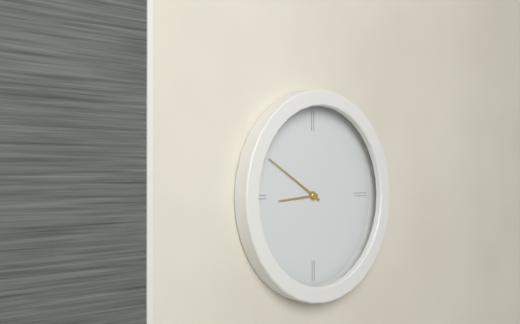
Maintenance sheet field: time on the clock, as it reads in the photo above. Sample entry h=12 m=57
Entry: h=8 m=50
